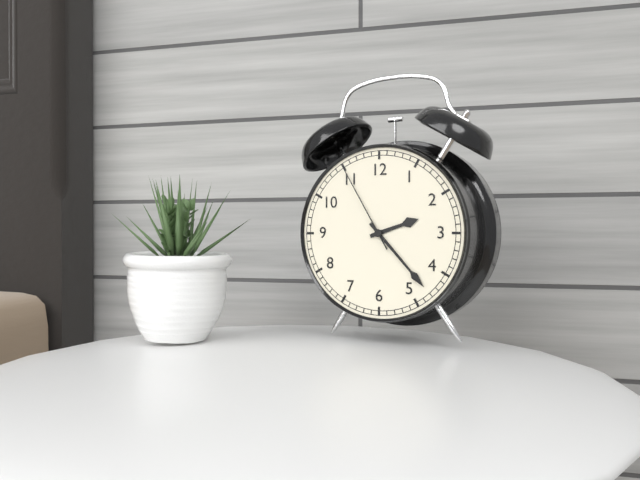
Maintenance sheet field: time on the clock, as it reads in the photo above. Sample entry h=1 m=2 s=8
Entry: h=2 m=23 s=55
